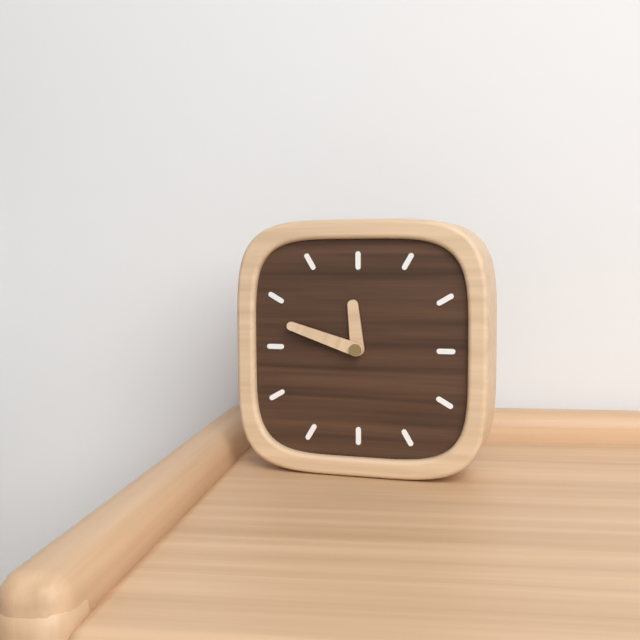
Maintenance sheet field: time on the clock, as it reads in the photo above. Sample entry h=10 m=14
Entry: h=11 m=48
